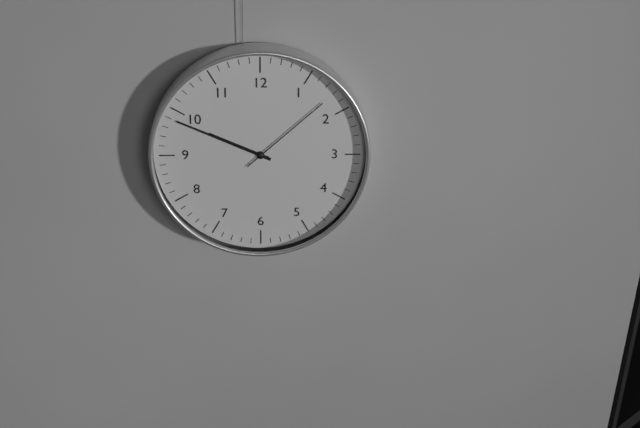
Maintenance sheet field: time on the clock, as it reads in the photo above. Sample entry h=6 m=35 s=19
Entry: h=9 m=49 s=8
